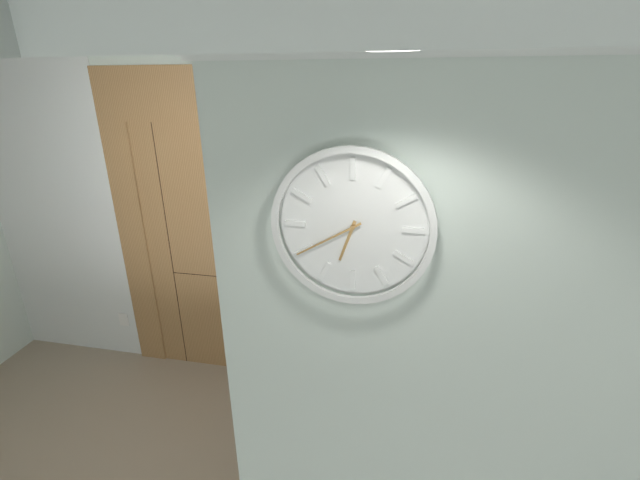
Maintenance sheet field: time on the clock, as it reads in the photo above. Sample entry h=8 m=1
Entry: h=6 m=40
